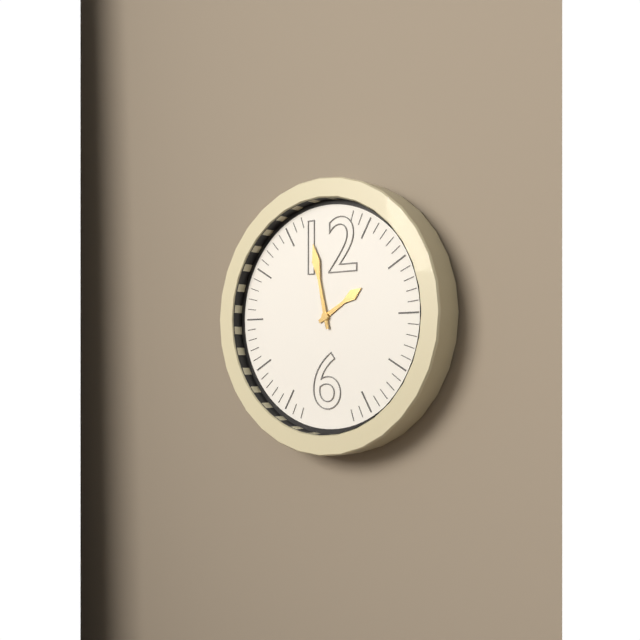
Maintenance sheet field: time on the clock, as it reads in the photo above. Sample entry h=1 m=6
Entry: h=1 m=58
